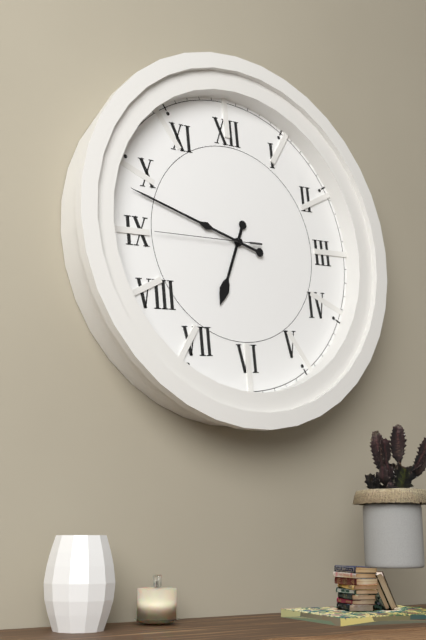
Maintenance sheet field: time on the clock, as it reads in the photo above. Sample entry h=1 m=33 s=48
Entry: h=6 m=48 s=45
